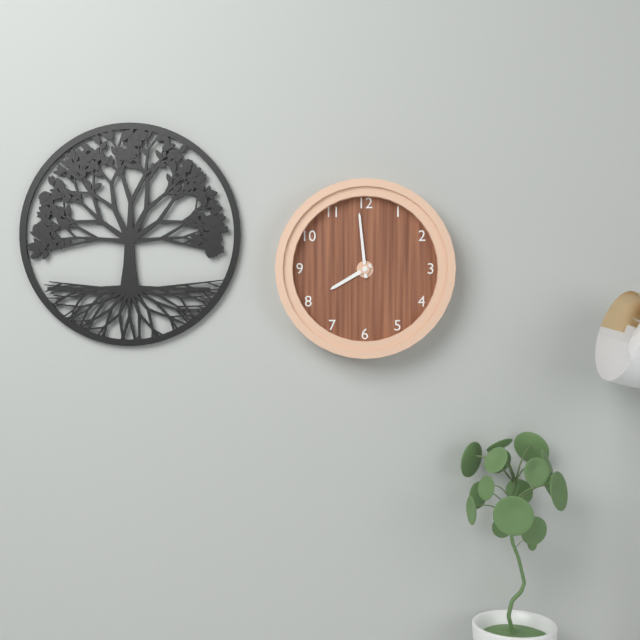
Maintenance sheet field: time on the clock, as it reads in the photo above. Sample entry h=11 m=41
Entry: h=7 m=59
